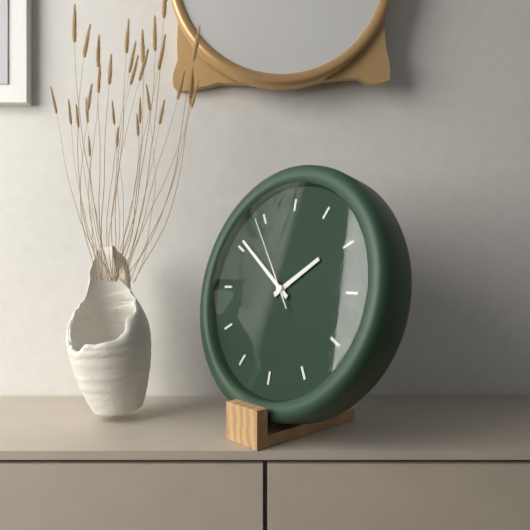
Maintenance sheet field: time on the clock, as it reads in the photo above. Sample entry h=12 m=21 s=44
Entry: h=1 m=51 s=54
